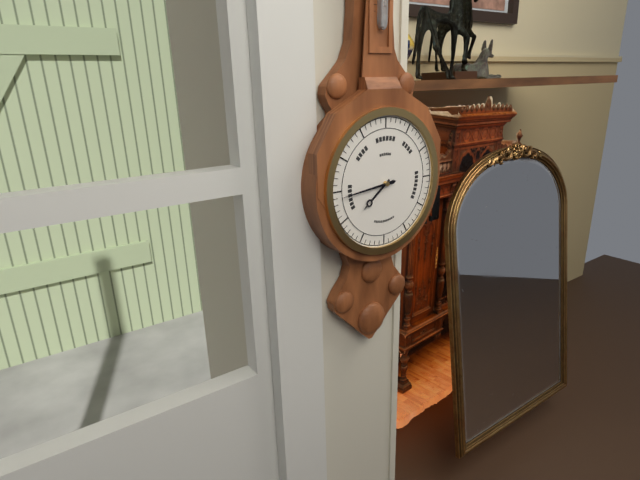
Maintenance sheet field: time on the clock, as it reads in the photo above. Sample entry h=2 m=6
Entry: h=7 m=44
